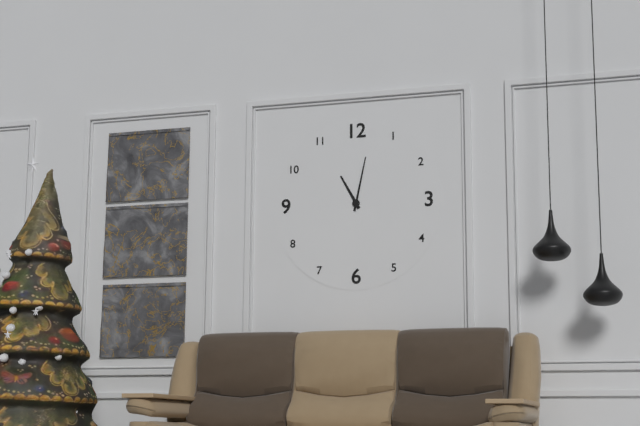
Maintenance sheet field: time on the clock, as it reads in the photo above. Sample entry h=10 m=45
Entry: h=11 m=2
